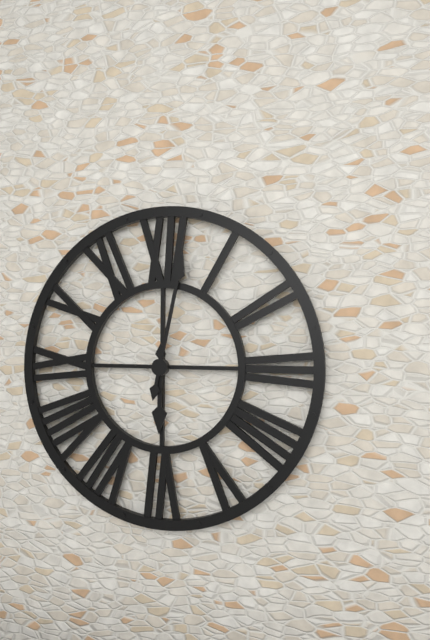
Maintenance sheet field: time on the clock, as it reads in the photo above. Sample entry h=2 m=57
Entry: h=6 m=2
